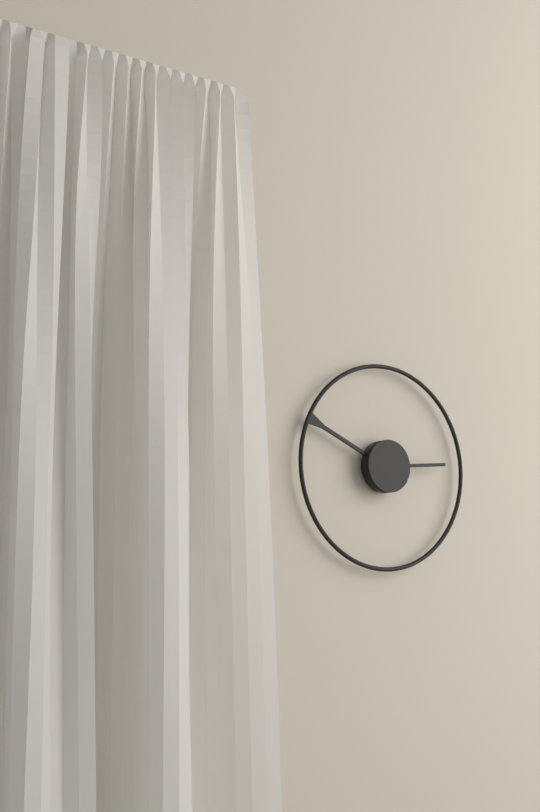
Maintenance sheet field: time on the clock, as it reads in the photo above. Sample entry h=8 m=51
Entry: h=2 m=49
